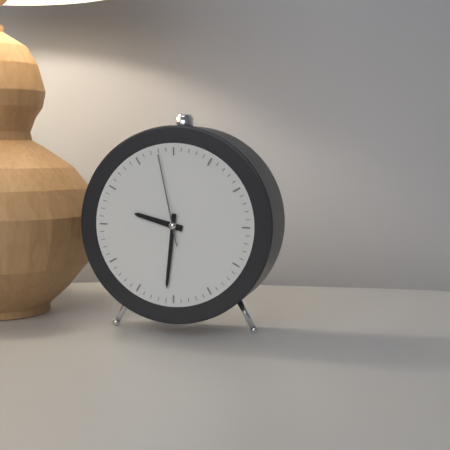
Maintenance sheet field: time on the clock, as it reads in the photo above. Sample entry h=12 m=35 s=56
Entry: h=9 m=31 s=58
